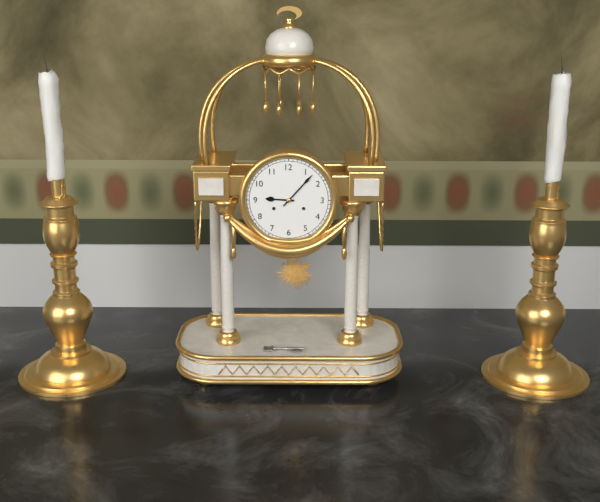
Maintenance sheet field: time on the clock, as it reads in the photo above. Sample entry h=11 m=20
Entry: h=9 m=7
